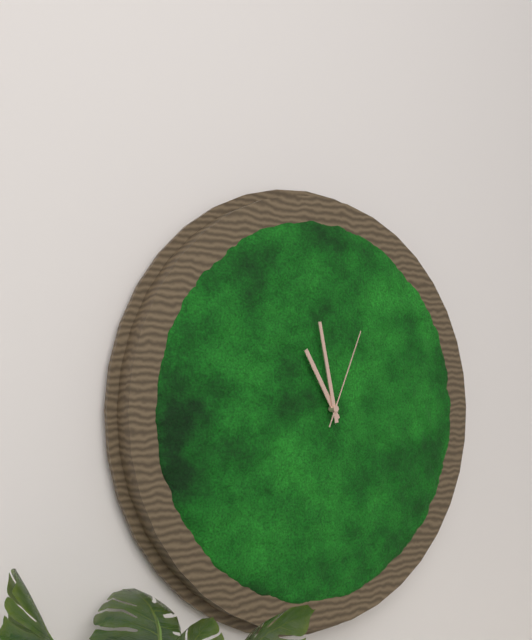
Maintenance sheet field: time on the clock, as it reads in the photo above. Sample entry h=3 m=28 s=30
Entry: h=10 m=58 s=4
